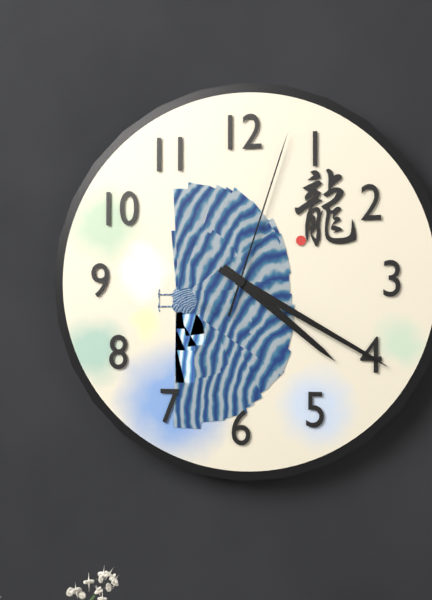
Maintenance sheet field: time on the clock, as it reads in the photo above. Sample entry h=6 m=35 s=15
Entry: h=4 m=20 s=3
